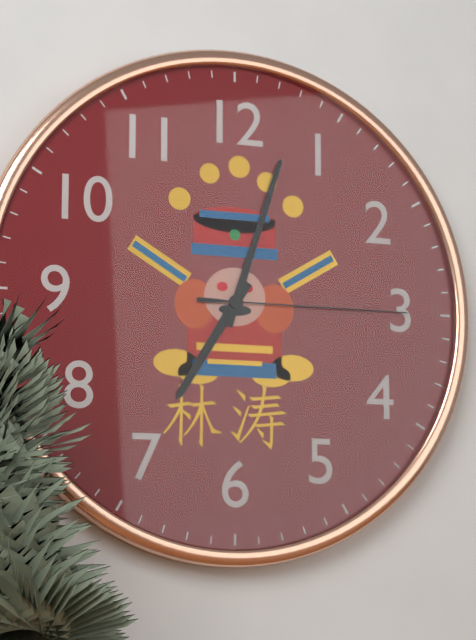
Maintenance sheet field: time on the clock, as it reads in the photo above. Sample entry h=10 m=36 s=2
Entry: h=7 m=3 s=15
